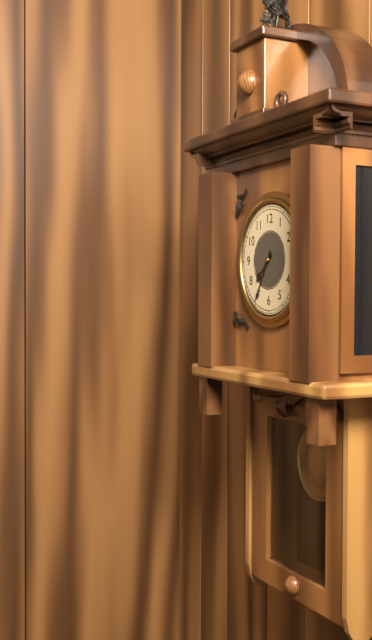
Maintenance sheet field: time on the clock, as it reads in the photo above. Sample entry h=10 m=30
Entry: h=7 m=35
